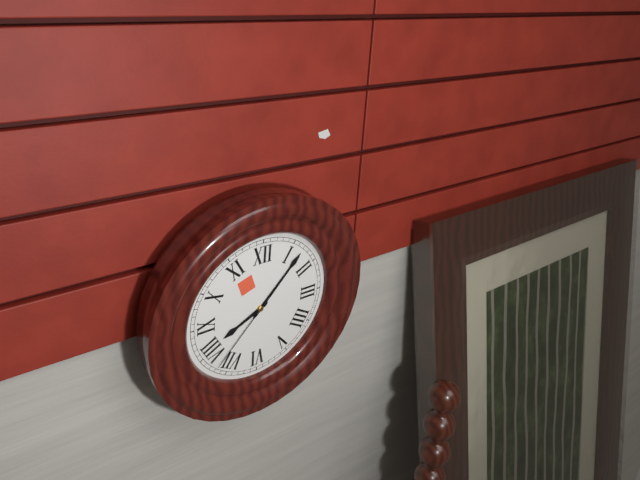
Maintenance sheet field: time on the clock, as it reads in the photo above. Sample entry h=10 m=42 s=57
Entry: h=8 m=7 s=37
